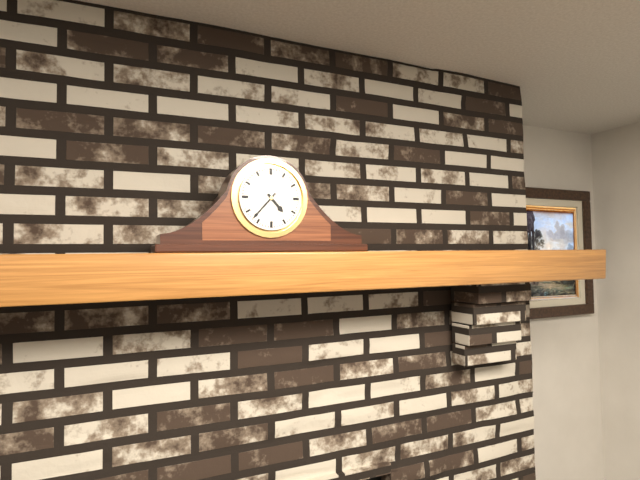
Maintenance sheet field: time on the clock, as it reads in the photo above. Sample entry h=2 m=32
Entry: h=4 m=37
